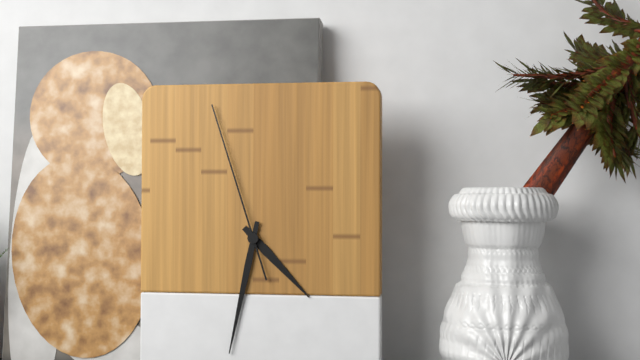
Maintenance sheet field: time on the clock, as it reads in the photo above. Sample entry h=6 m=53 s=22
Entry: h=4 m=32 s=57
